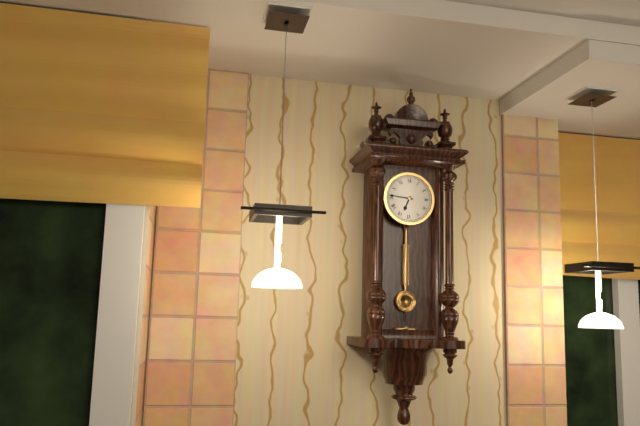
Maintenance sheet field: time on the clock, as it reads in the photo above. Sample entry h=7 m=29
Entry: h=6 m=46
